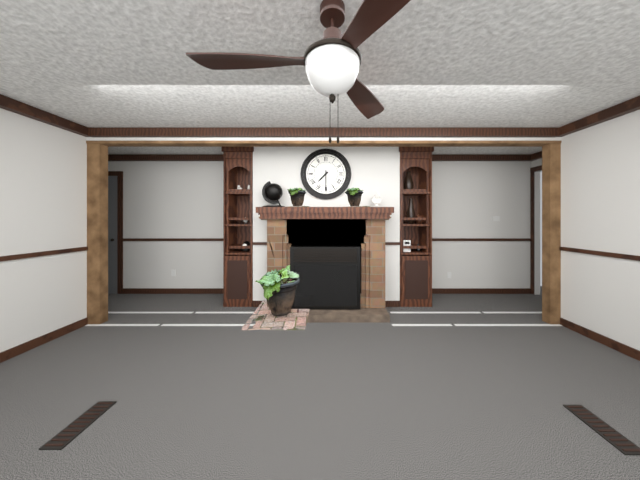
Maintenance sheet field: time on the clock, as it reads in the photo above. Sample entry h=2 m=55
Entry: h=7 m=30
